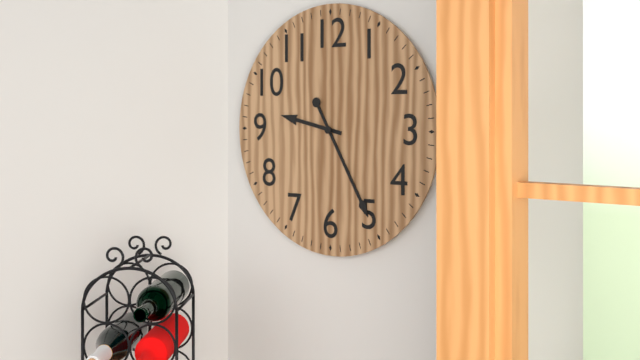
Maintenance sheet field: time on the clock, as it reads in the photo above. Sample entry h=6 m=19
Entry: h=9 m=25
